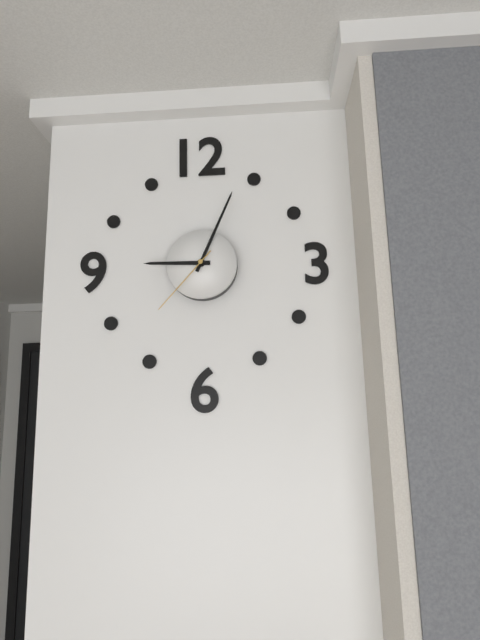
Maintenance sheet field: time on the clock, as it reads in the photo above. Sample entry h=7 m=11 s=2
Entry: h=9 m=4 s=37
